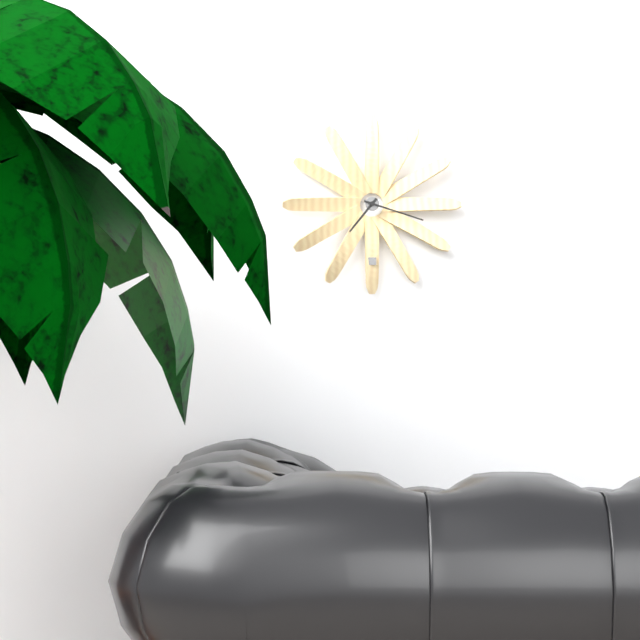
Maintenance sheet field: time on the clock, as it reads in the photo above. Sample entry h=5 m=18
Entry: h=7 m=18
